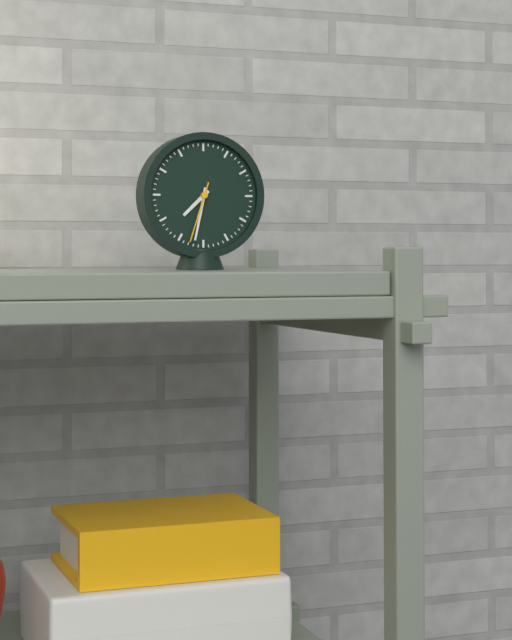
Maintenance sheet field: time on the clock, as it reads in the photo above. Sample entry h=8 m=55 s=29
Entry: h=7 m=32 s=33
